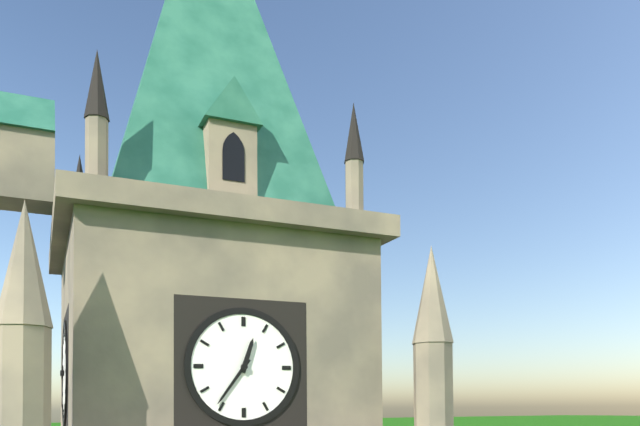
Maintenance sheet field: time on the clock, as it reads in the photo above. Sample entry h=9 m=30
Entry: h=12 m=36
